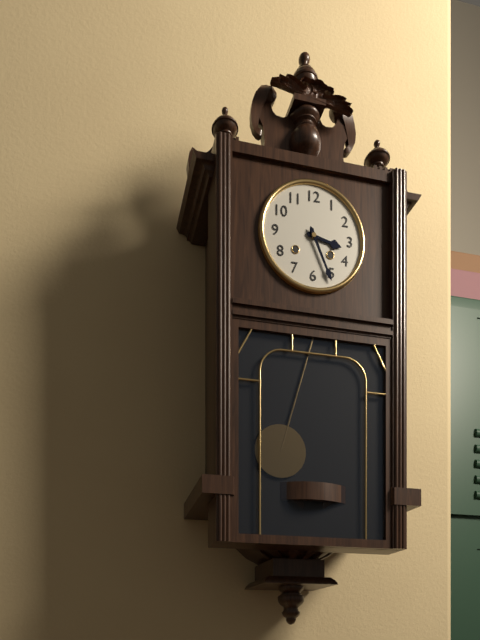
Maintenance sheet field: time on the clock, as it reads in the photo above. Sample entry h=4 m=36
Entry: h=3 m=26
